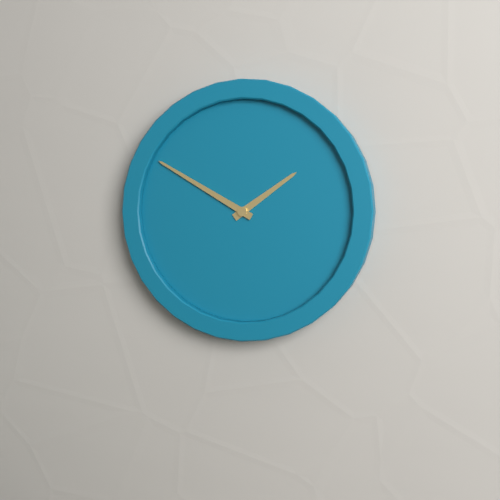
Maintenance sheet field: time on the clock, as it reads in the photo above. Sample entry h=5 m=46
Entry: h=1 m=50
